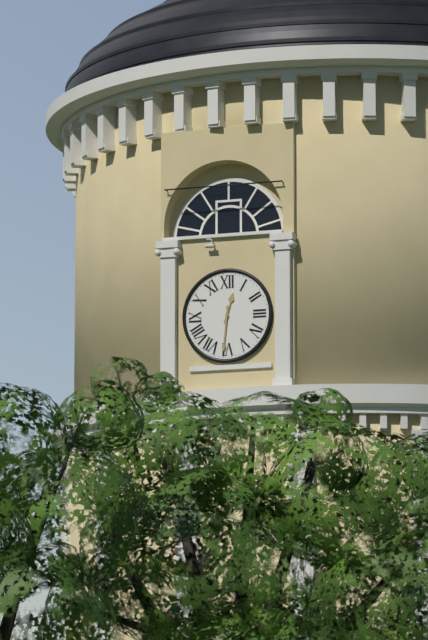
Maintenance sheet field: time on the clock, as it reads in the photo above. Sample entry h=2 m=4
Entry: h=12 m=31
